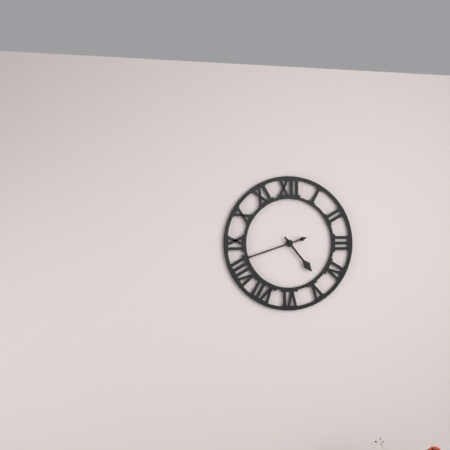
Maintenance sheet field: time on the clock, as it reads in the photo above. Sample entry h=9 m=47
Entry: h=4 m=42
